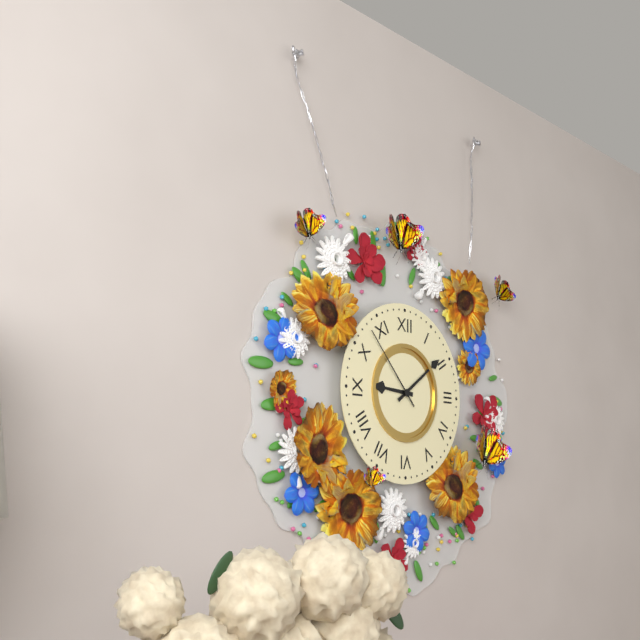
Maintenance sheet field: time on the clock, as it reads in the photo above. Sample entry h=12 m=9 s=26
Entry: h=9 m=9 s=53
